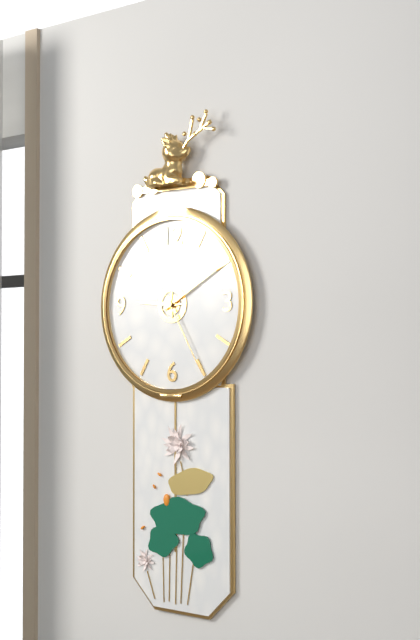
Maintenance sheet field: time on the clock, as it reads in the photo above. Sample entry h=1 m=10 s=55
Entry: h=9 m=10 s=25
